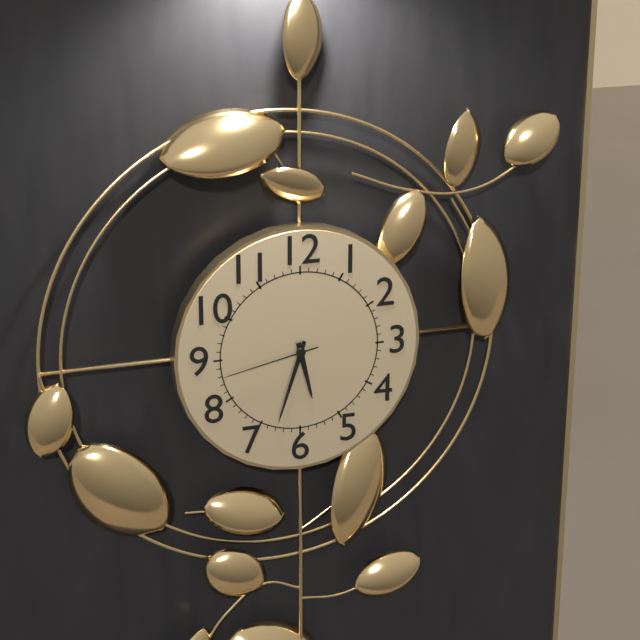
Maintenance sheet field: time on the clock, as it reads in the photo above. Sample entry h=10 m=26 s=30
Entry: h=5 m=33 s=43
